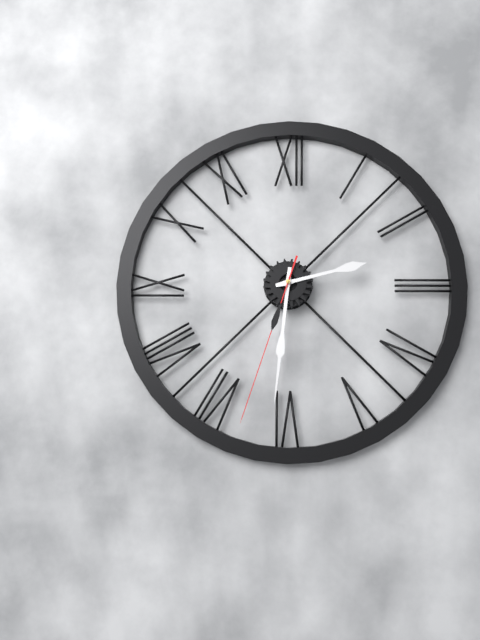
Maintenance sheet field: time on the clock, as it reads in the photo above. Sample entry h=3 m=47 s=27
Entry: h=2 m=31 s=33
